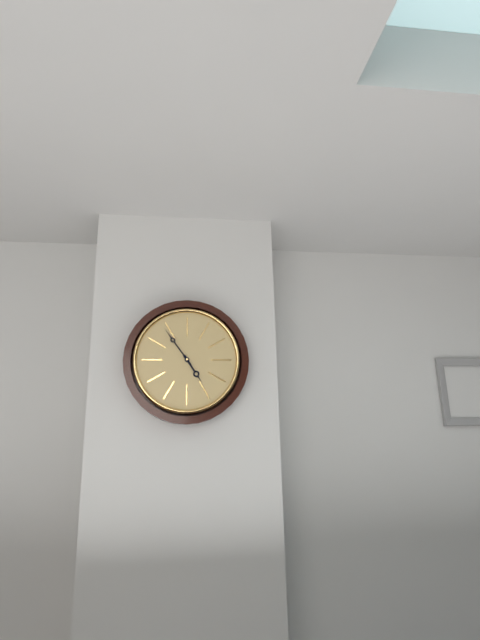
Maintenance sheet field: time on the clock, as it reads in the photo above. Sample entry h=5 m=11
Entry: h=4 m=54
